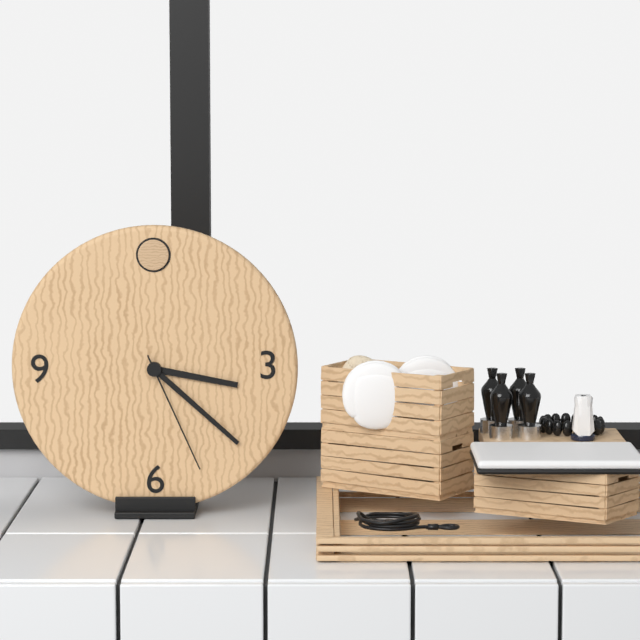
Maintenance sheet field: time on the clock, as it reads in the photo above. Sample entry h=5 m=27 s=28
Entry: h=3 m=22 s=26
